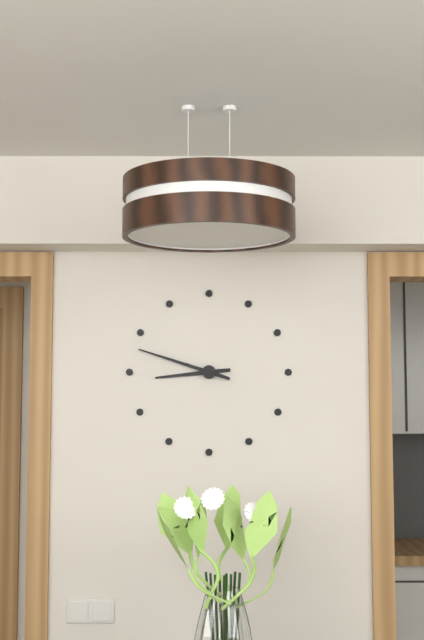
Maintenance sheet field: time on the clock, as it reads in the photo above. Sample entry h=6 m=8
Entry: h=8 m=48
